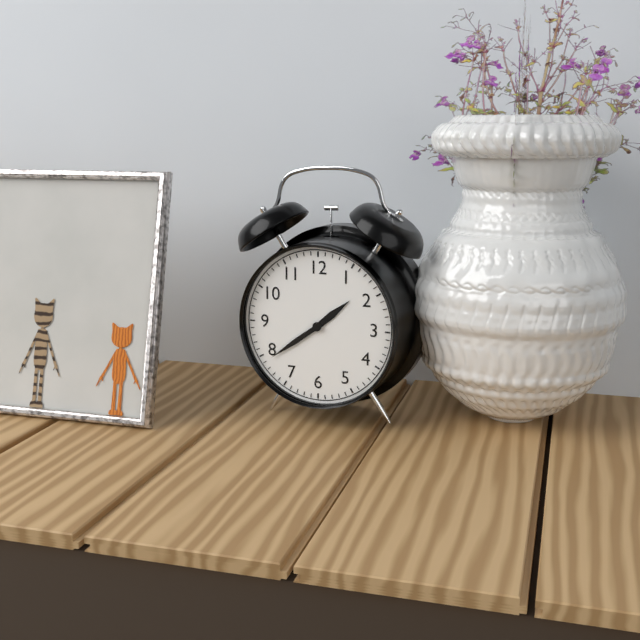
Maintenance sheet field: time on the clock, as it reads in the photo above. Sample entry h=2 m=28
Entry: h=1 m=39
